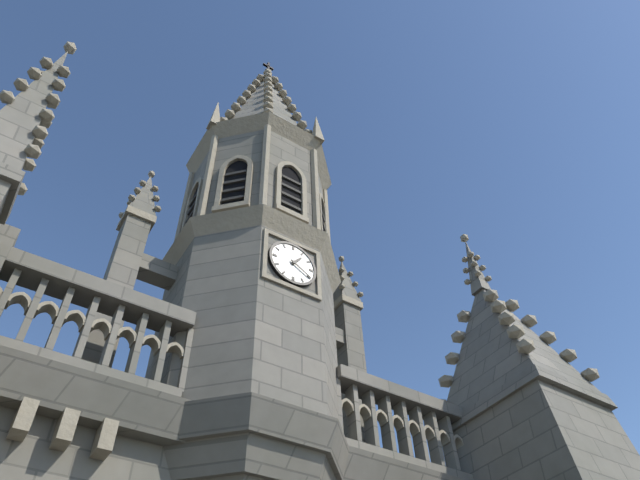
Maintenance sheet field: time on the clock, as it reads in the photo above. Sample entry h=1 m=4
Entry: h=1 m=20
